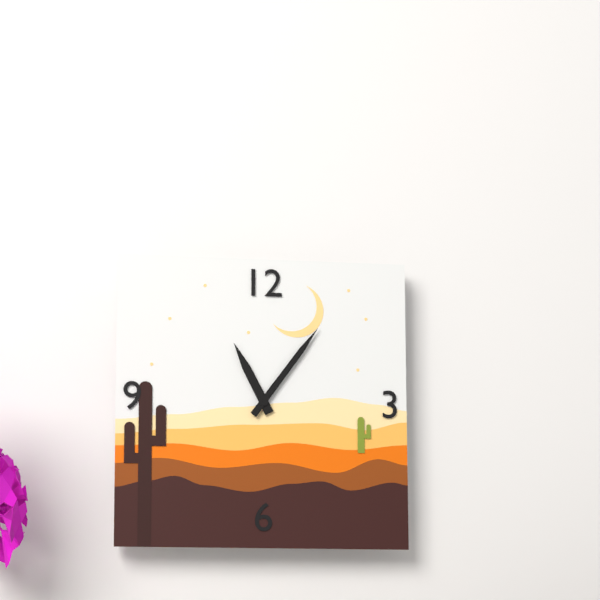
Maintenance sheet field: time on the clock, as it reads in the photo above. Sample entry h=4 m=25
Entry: h=11 m=6
